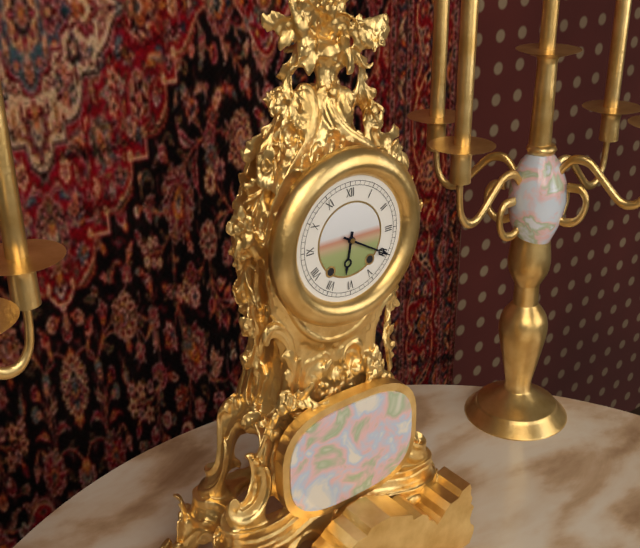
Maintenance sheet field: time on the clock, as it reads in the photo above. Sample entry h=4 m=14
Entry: h=6 m=20
